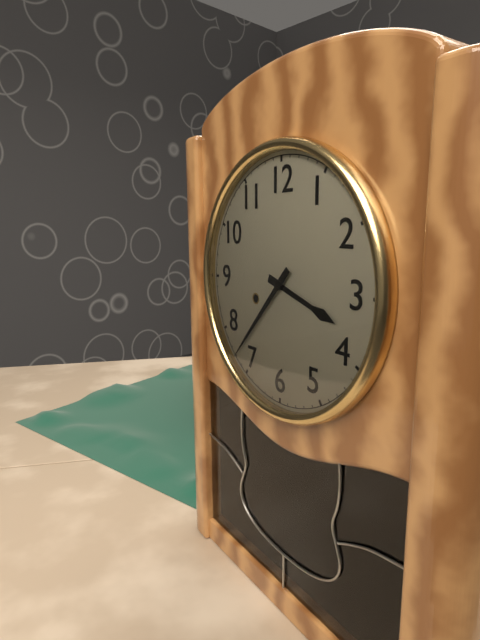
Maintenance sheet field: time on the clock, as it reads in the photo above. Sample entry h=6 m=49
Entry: h=3 m=37
